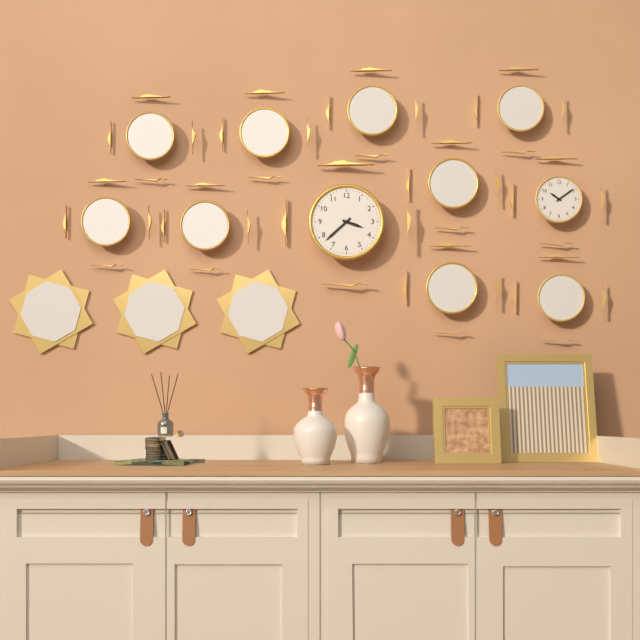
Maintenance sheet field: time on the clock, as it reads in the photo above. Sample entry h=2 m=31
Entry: h=3 m=38
